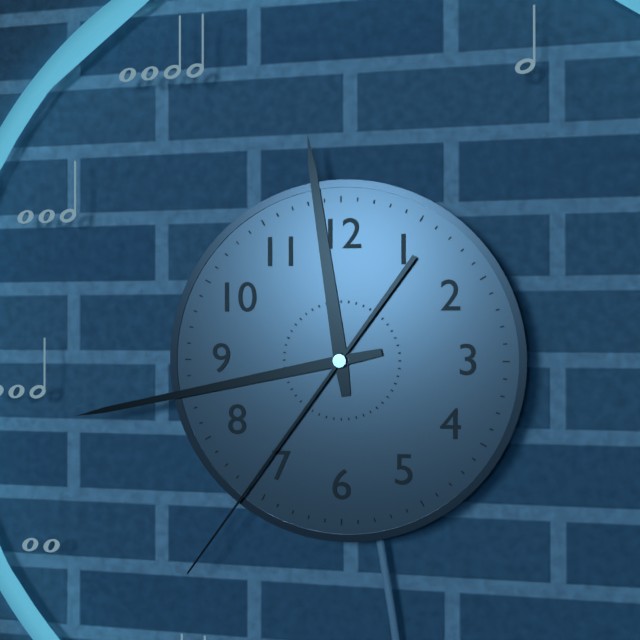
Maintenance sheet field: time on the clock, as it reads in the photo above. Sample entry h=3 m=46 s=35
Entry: h=11 m=43 s=36
